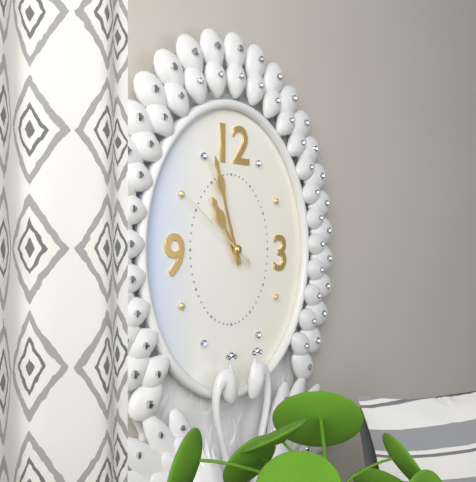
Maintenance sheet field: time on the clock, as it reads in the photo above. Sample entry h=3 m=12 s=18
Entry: h=10 m=57 s=51
